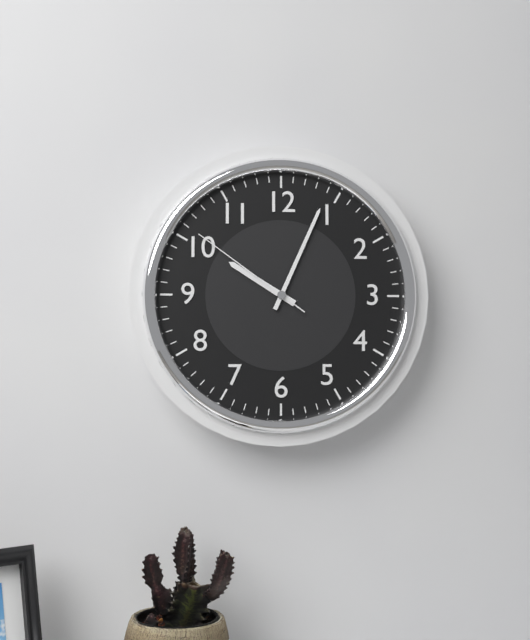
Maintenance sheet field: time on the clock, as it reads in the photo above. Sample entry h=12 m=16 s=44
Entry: h=10 m=4 s=51
